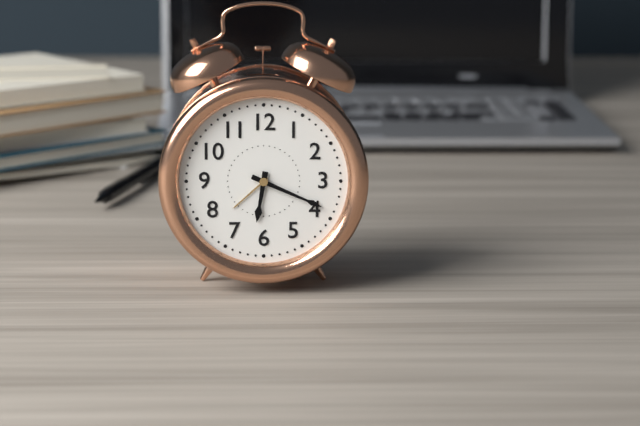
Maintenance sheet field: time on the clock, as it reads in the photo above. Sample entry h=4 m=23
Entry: h=6 m=19
